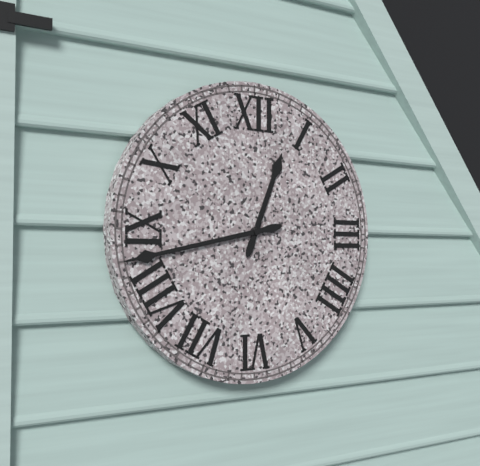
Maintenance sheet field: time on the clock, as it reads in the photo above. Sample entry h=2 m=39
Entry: h=12 m=43
